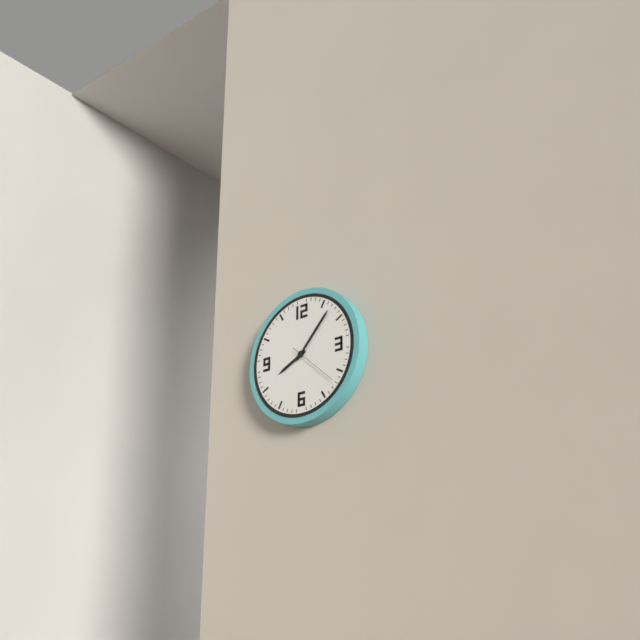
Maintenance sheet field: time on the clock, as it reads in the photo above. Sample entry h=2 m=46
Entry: h=8 m=7
